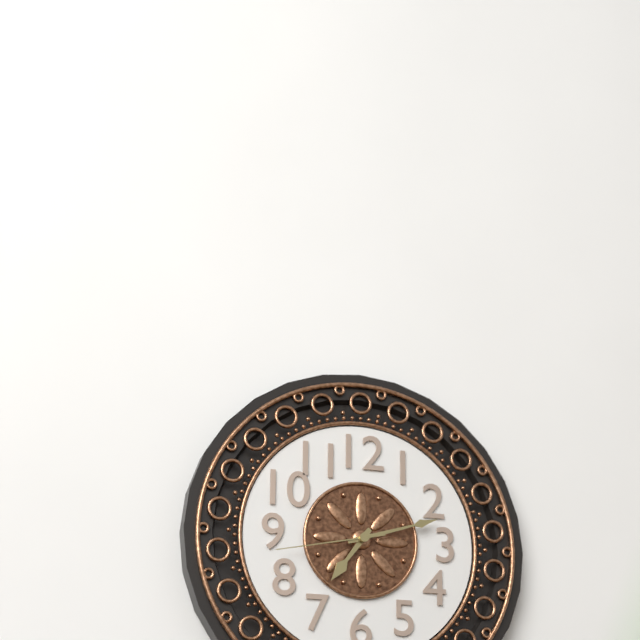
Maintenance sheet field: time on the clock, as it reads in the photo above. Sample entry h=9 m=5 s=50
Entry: h=7 m=12 s=43
